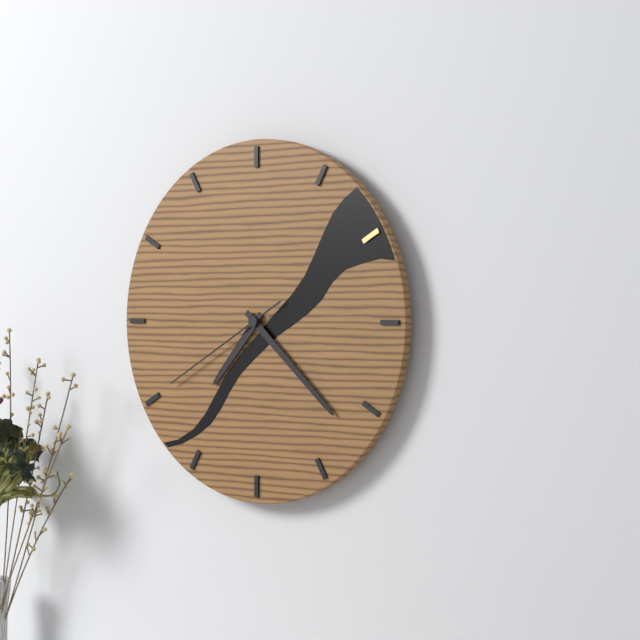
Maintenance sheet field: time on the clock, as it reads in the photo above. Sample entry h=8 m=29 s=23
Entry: h=7 m=22 s=40
